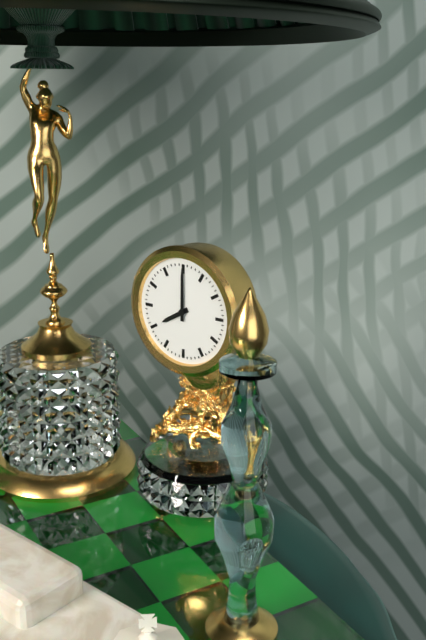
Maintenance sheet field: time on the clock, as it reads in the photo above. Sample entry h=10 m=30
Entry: h=8 m=0
